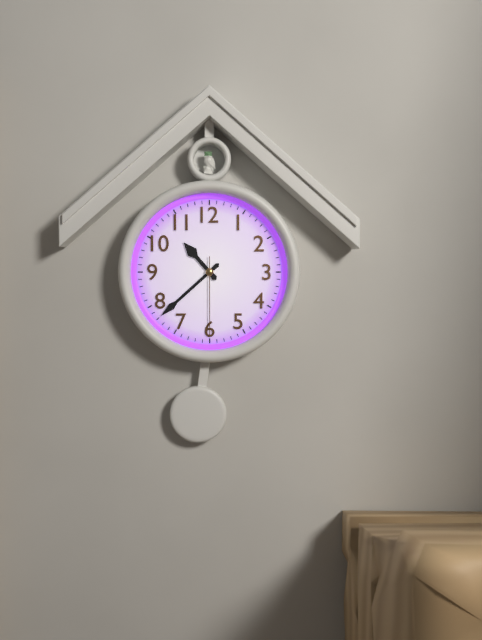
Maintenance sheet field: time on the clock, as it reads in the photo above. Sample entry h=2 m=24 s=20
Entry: h=10 m=38 s=30
